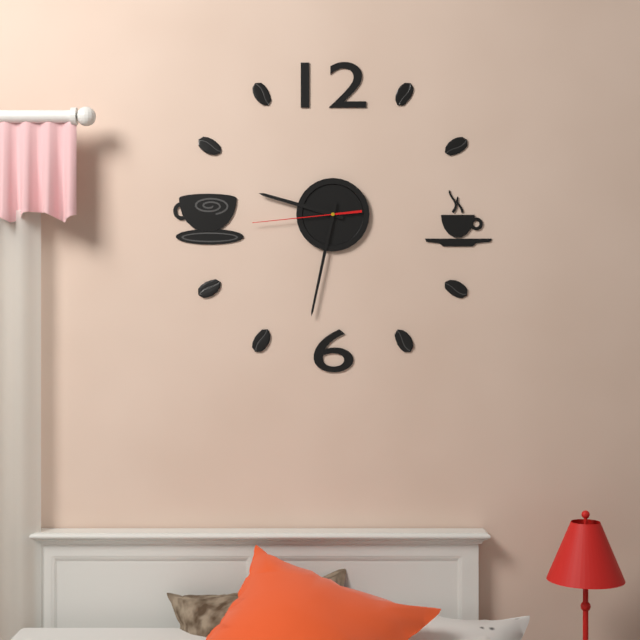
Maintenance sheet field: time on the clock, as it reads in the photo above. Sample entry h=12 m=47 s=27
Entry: h=9 m=32 s=44
